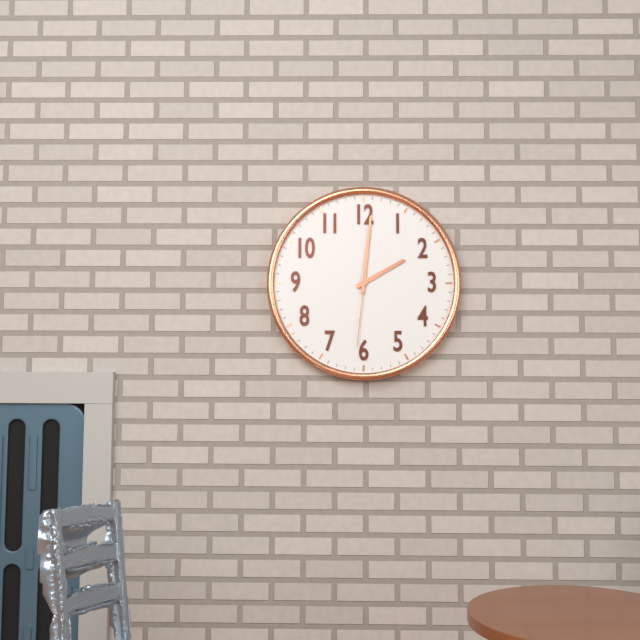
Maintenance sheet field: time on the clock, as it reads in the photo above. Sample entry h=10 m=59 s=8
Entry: h=2 m=1 s=31
